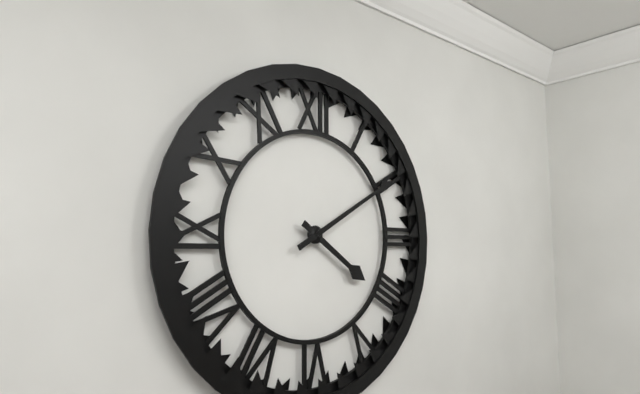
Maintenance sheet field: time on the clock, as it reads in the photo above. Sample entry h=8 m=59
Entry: h=4 m=10
